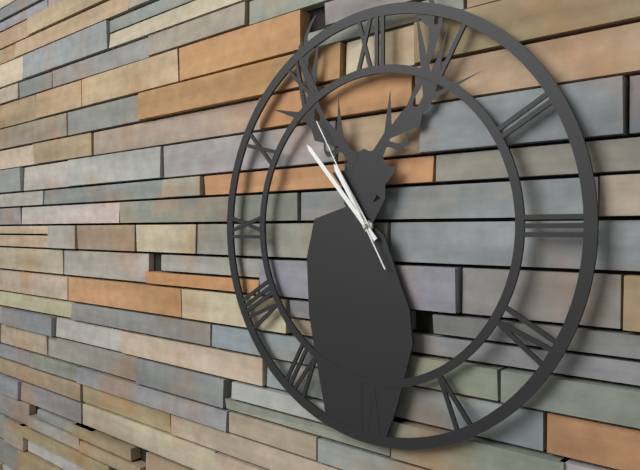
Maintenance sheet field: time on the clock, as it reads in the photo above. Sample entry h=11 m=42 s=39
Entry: h=10 m=53 s=55
